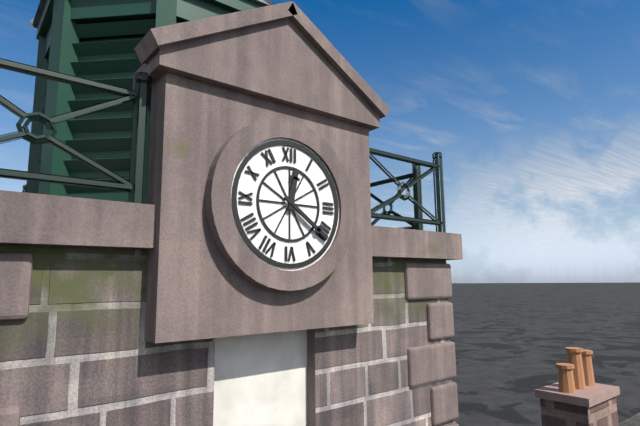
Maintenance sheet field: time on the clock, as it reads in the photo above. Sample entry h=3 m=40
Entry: h=12 m=21
